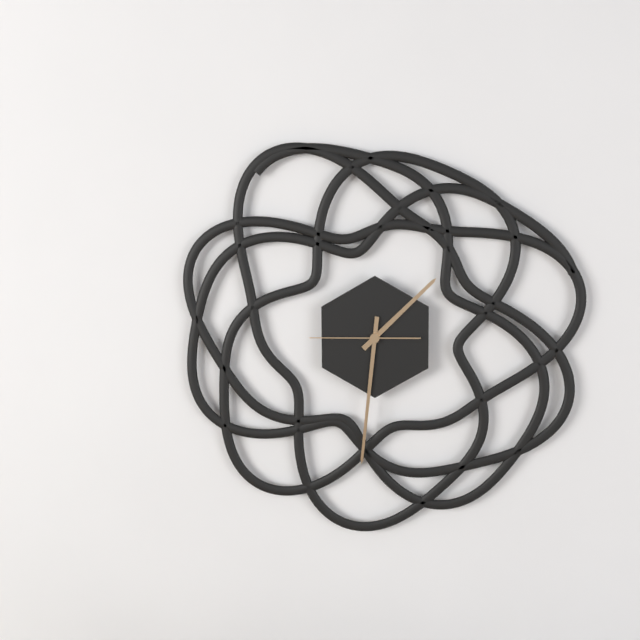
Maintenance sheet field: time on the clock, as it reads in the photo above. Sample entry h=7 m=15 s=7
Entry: h=1 m=31 s=45
